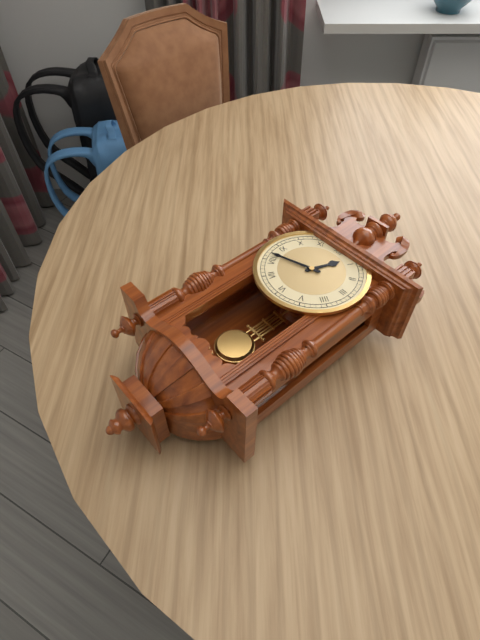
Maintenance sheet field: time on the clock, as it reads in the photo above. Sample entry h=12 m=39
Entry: h=12 m=42
